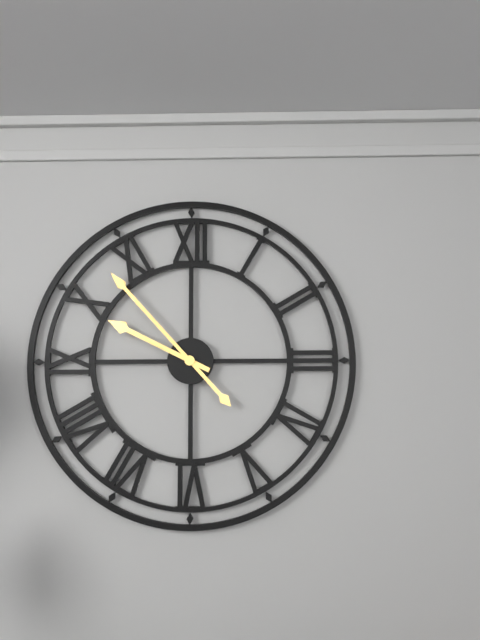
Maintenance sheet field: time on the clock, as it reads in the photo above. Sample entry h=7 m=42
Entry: h=9 m=53
